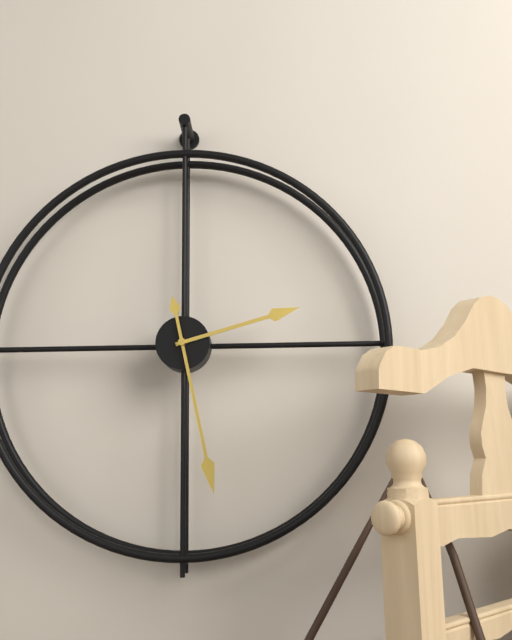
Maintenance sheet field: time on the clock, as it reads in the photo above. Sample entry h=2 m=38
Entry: h=2 m=28
